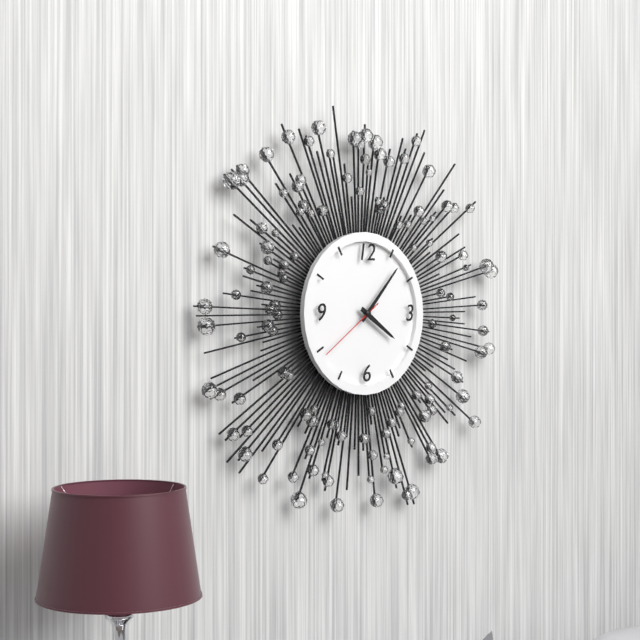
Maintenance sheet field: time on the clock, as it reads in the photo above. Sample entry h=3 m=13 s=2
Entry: h=4 m=7 s=39
